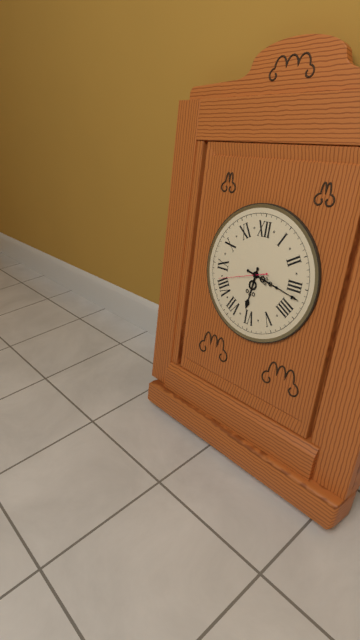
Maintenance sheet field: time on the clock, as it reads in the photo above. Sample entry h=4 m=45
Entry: h=6 m=17
